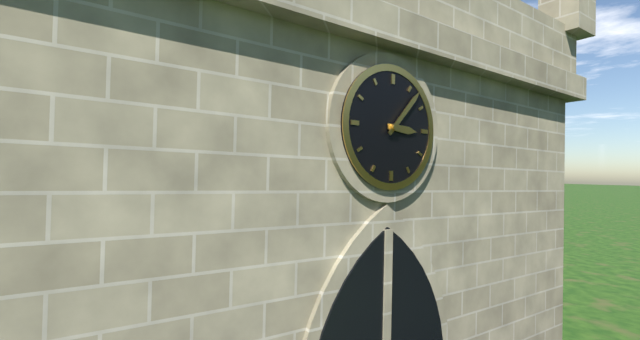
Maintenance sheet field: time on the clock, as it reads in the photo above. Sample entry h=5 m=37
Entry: h=3 m=7
